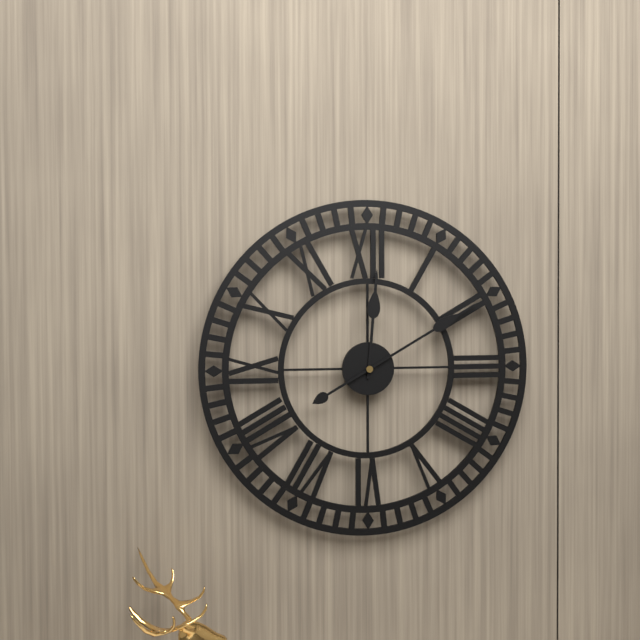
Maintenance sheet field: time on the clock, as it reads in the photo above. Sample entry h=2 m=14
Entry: h=12 m=10
